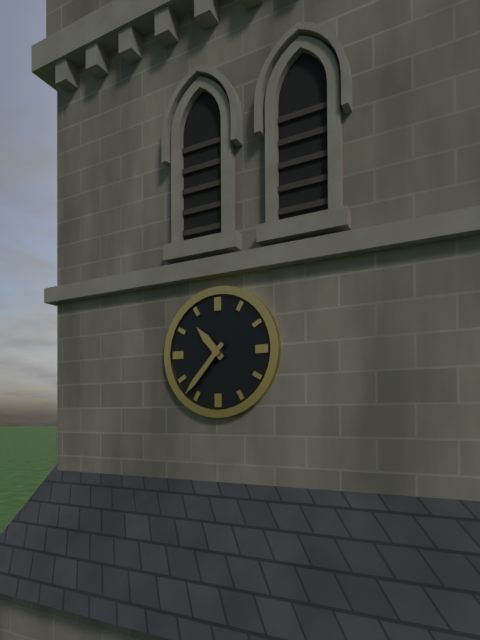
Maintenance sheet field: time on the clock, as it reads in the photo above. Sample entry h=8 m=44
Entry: h=10 m=37
